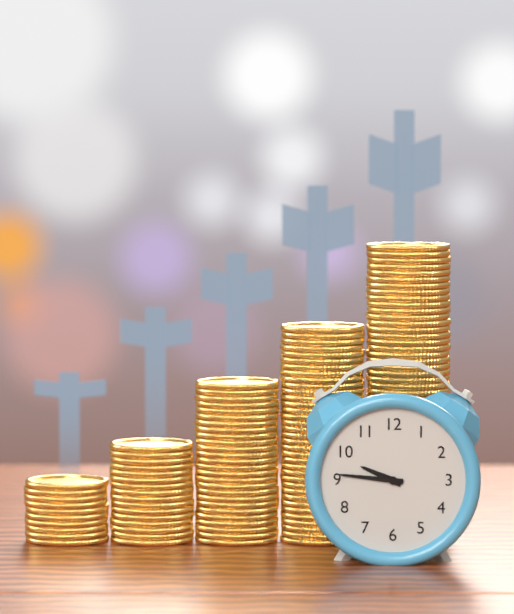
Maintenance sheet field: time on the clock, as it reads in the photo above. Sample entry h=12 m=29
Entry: h=9 m=46
